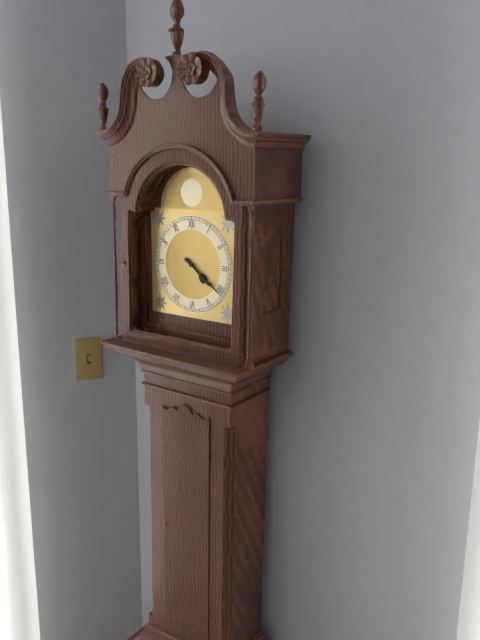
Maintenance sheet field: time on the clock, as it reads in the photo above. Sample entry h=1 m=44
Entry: h=4 m=21
